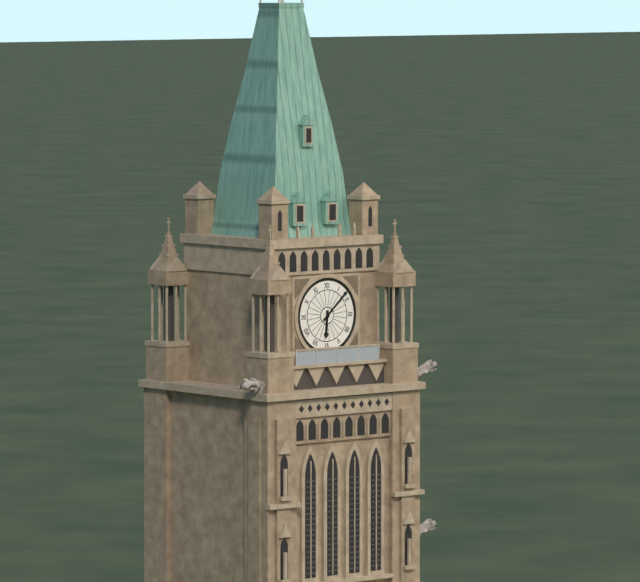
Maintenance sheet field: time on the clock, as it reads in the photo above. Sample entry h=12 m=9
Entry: h=6 m=8
